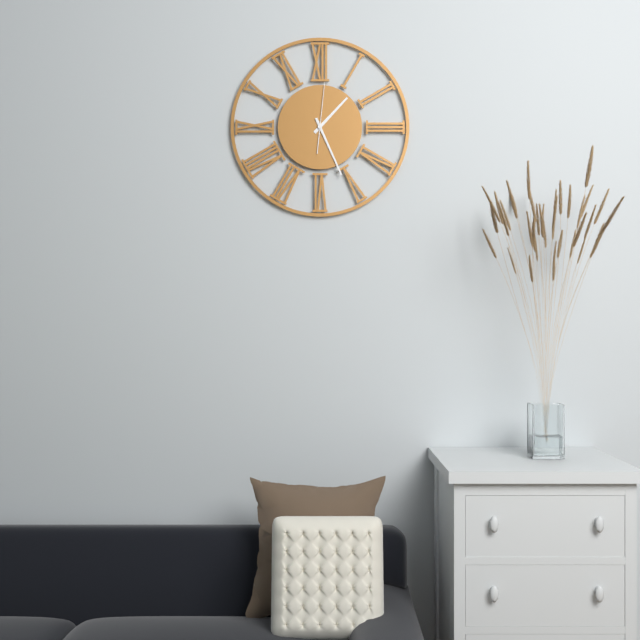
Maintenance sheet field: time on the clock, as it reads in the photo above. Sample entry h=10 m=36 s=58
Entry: h=1 m=26 s=1
